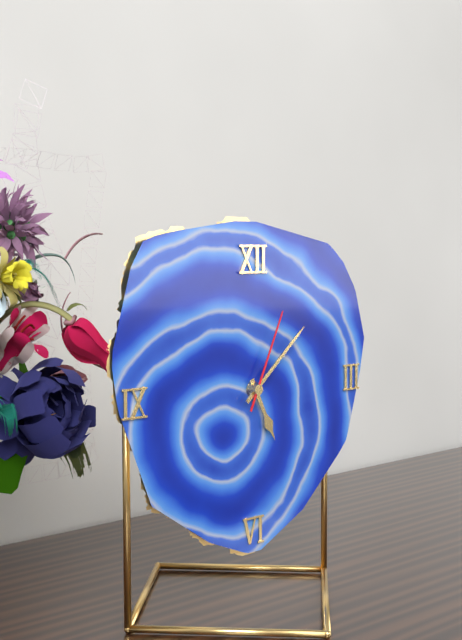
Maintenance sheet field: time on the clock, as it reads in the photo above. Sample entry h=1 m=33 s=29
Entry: h=5 m=8 s=4
